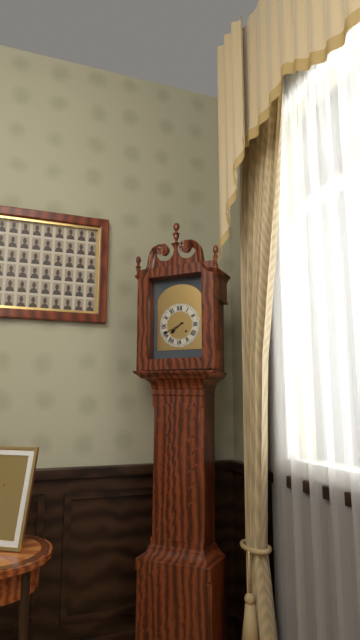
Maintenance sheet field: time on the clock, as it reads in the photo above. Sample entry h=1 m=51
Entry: h=7 m=41
